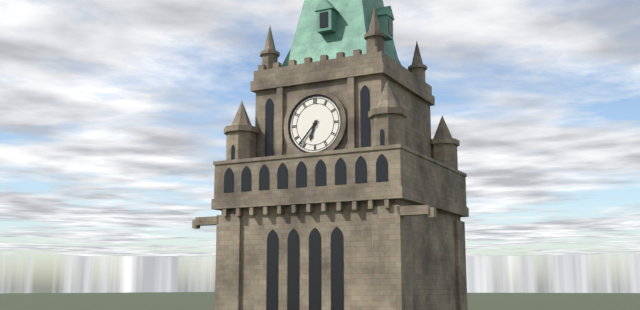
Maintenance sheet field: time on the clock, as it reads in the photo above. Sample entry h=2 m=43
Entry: h=6 m=37
